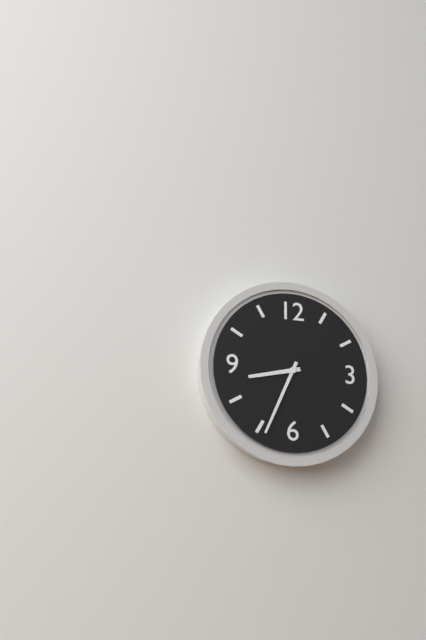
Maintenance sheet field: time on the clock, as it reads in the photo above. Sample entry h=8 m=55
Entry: h=8 m=34
